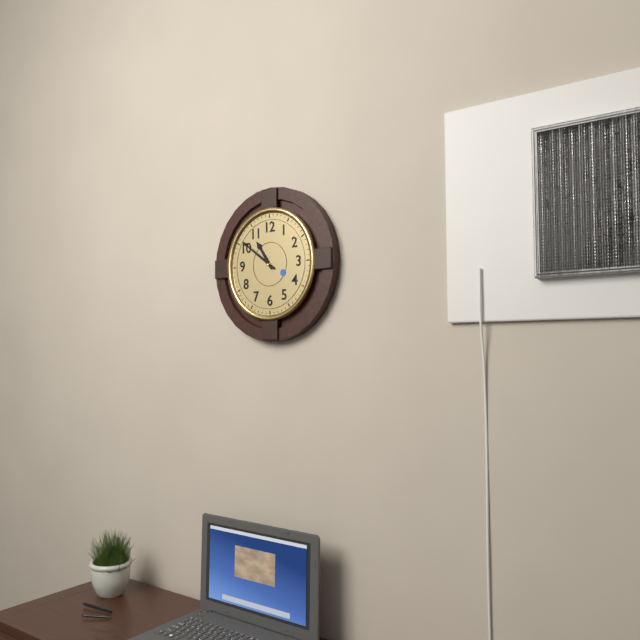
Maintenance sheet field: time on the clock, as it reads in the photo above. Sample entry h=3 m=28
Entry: h=10 m=51
